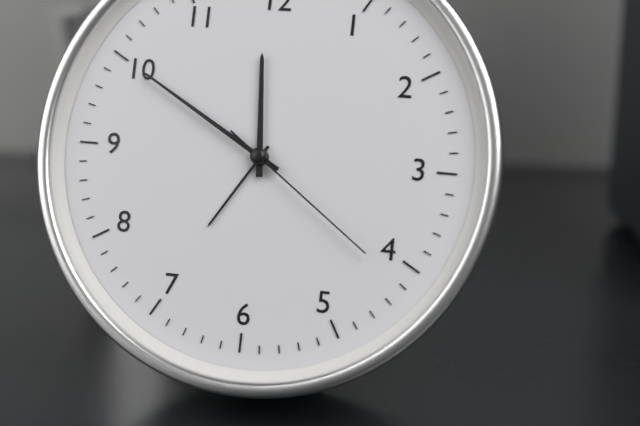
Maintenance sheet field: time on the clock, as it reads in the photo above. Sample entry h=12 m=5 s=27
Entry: h=11 m=50 s=21
